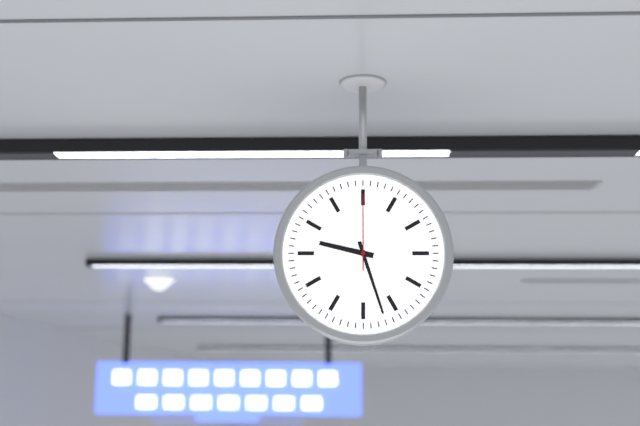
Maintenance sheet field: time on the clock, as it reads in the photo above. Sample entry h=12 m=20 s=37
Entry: h=9 m=27 s=0
